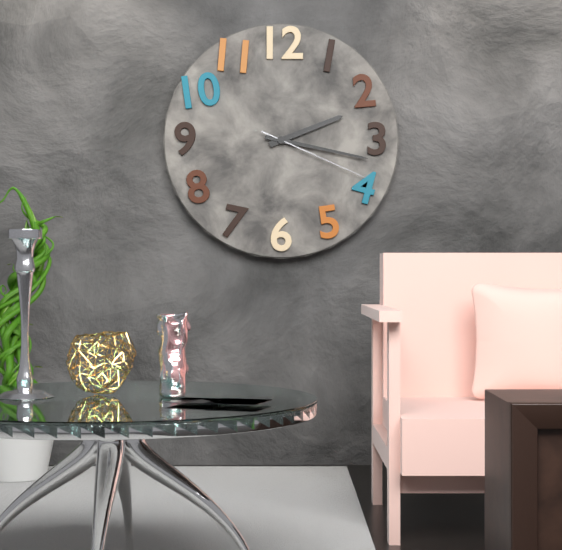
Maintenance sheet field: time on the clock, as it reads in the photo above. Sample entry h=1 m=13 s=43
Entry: h=2 m=17 s=19
